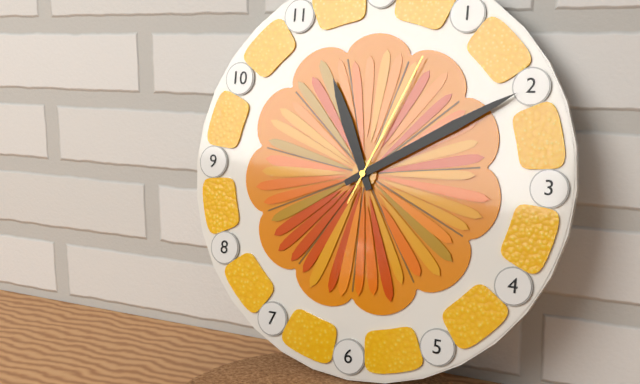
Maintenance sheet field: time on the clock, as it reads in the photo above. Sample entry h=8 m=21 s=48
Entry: h=11 m=10 s=4
